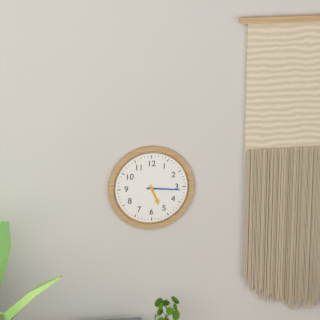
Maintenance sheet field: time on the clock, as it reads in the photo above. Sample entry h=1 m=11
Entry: h=5 m=16
